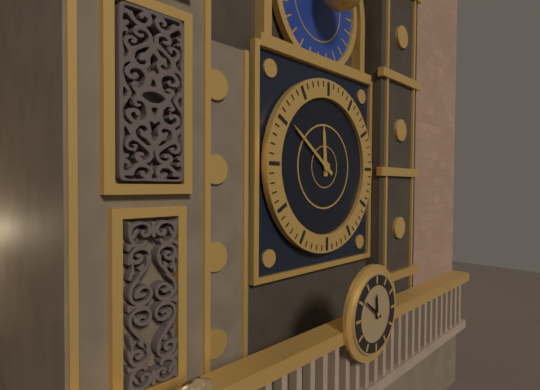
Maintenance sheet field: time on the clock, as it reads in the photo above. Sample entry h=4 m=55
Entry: h=11 m=51
